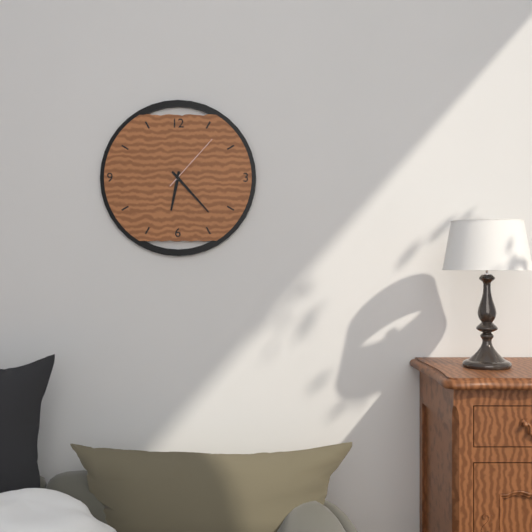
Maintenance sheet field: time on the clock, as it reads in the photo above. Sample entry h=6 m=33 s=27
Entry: h=6 m=23 s=7
